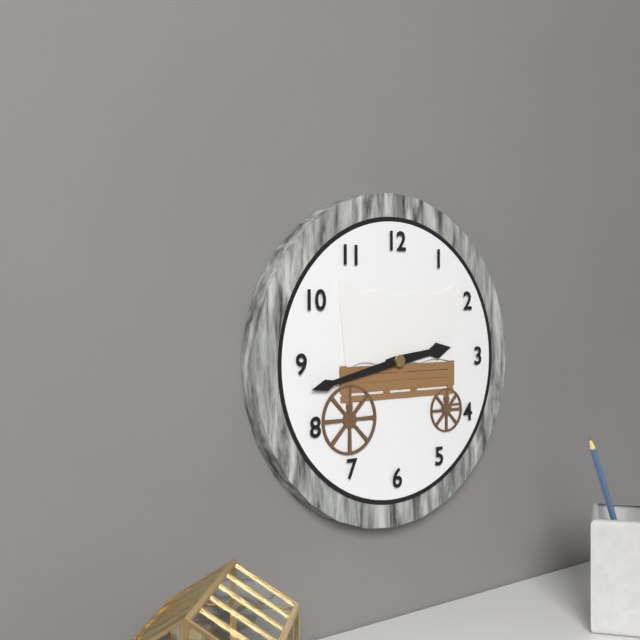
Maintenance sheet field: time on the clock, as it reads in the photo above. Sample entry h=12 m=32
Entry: h=2 m=43
